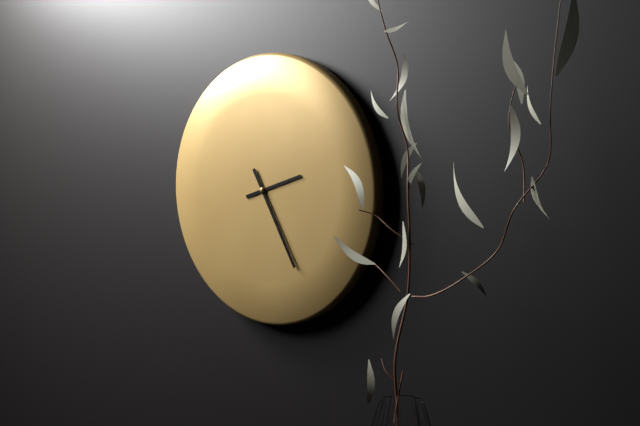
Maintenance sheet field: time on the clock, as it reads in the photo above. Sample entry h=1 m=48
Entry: h=2 m=25
